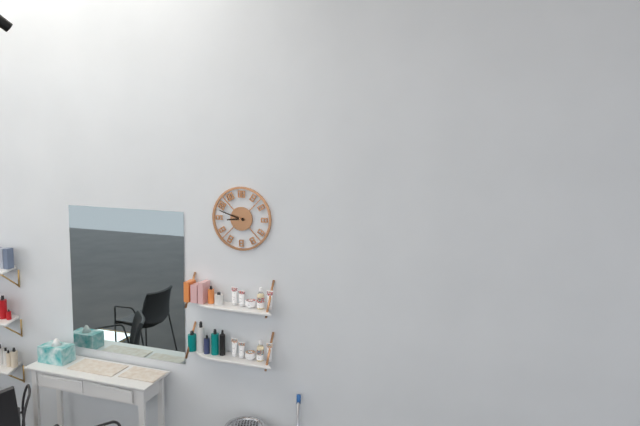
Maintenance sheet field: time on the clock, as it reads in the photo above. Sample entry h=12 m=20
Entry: h=8 m=48
